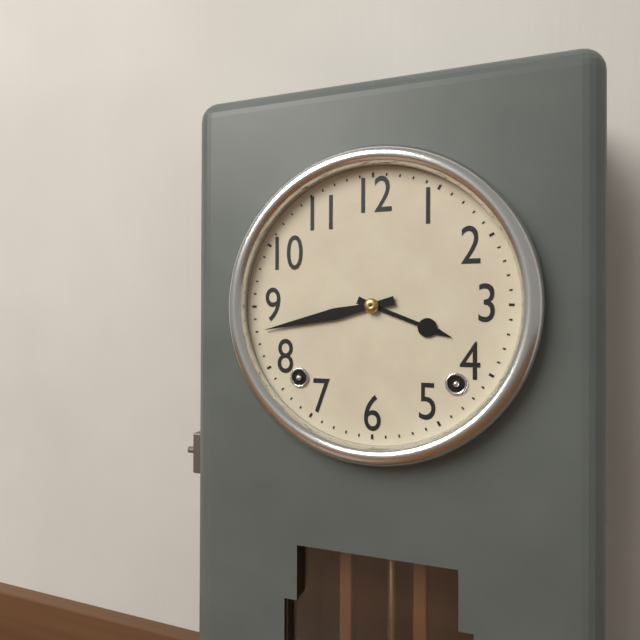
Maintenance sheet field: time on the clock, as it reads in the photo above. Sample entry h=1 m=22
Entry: h=3 m=43
